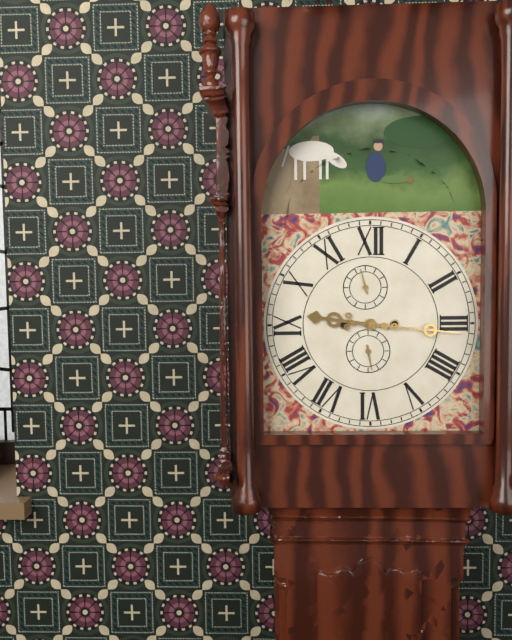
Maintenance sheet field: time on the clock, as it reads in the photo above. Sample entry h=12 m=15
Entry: h=9 m=16
